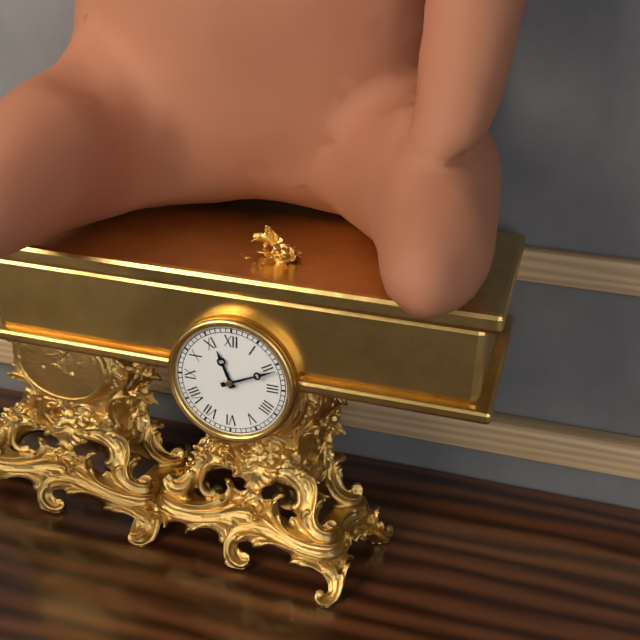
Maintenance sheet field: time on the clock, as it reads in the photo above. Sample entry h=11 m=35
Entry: h=11 m=11
